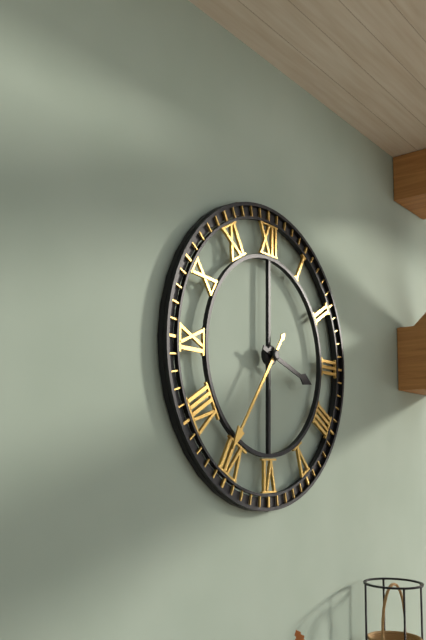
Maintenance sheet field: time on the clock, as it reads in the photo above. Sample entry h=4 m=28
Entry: h=3 m=36
